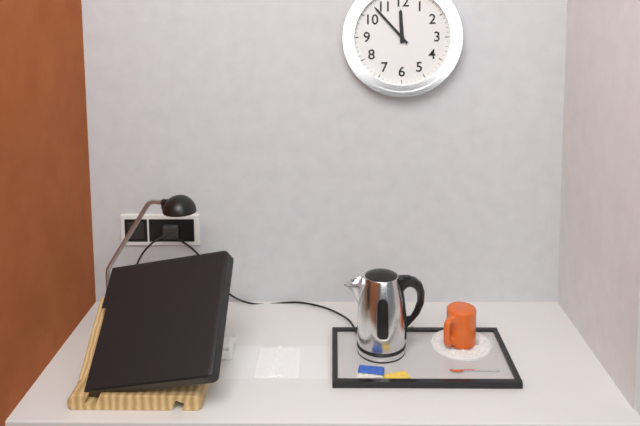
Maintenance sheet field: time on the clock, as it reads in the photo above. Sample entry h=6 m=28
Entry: h=11 m=53
